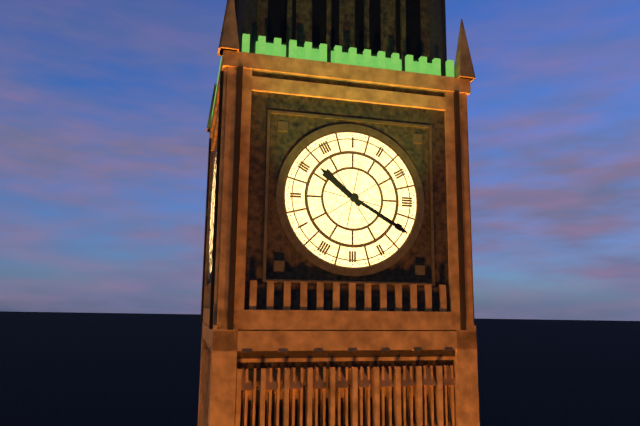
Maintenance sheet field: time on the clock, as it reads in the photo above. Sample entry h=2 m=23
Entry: h=10 m=20
